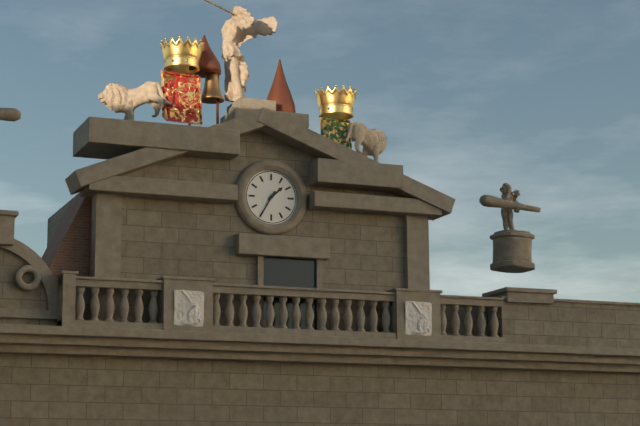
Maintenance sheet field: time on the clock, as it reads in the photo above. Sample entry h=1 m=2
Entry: h=1 m=35
